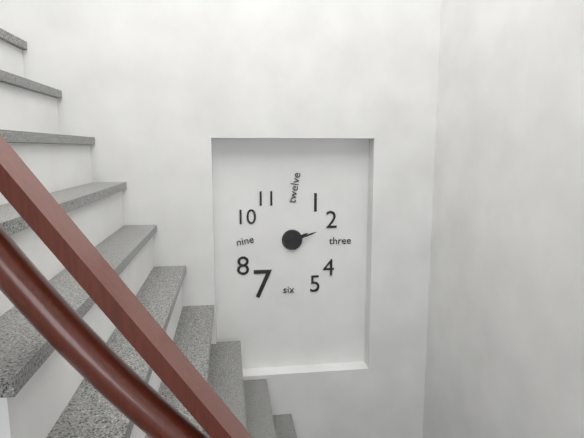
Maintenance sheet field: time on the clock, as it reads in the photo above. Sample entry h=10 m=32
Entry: h=2 m=12
